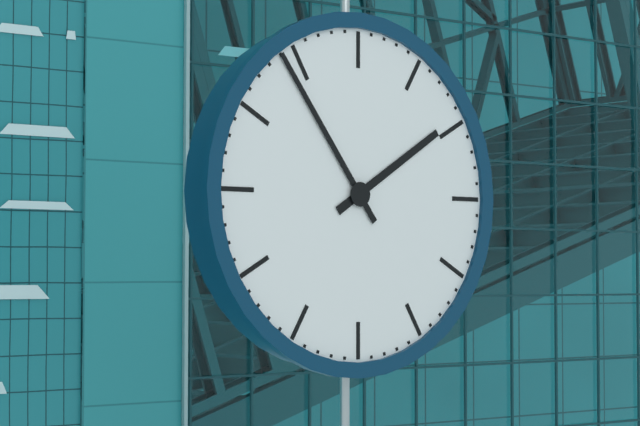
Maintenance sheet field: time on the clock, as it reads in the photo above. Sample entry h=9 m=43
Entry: h=1 m=54
